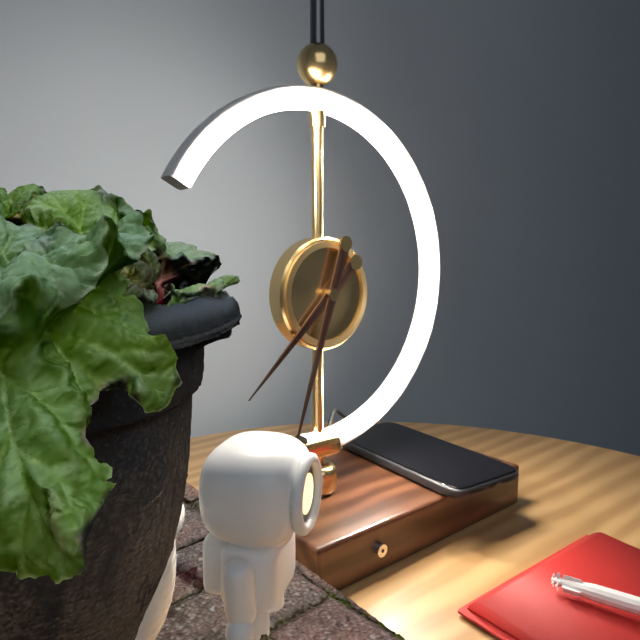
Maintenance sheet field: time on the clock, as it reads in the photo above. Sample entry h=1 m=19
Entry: h=7 m=33
